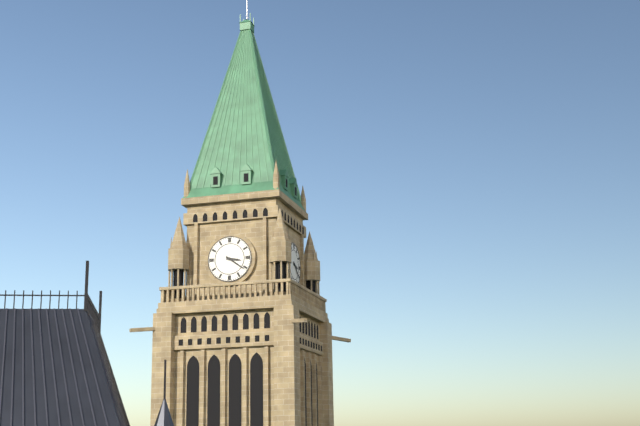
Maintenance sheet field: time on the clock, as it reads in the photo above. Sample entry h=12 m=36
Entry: h=3 m=21
